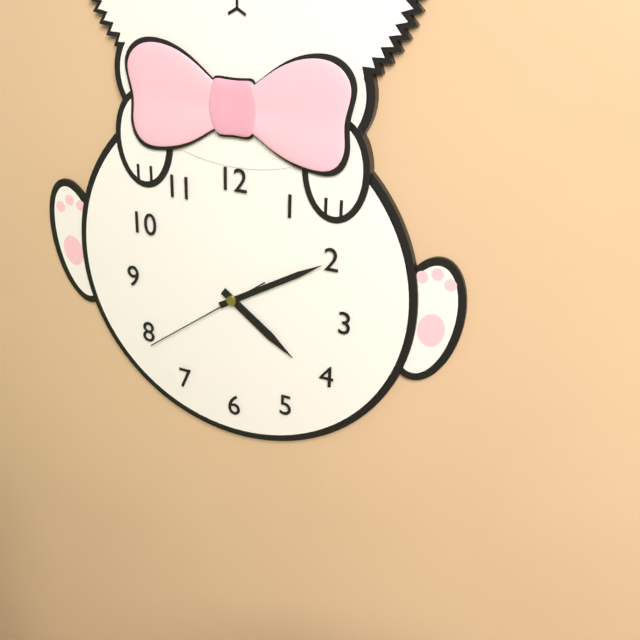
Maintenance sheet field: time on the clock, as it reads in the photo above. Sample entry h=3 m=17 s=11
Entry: h=4 m=10 s=39
